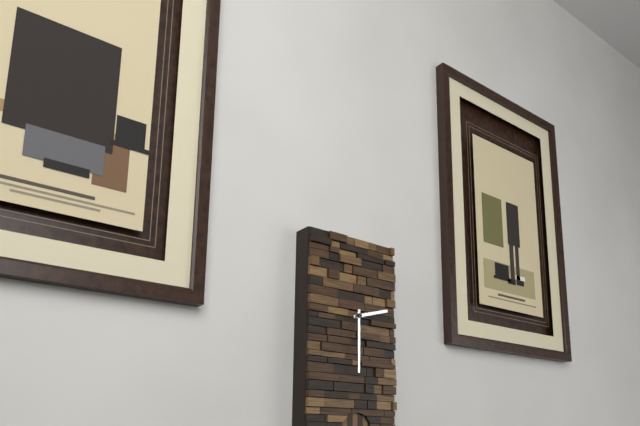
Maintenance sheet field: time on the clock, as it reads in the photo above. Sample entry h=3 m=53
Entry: h=2 m=30
